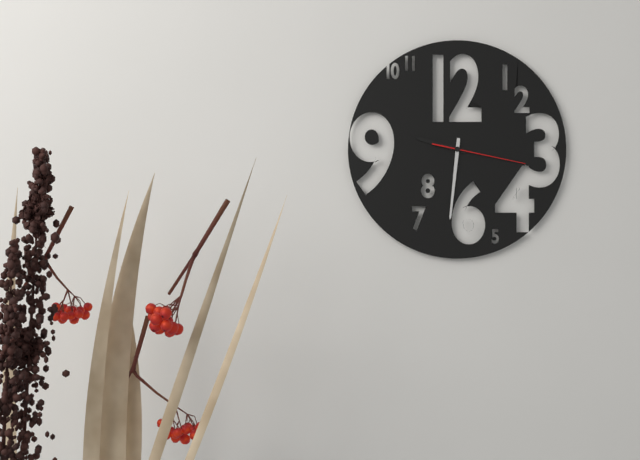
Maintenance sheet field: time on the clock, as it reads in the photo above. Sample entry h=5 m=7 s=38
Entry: h=9 m=31 s=17
